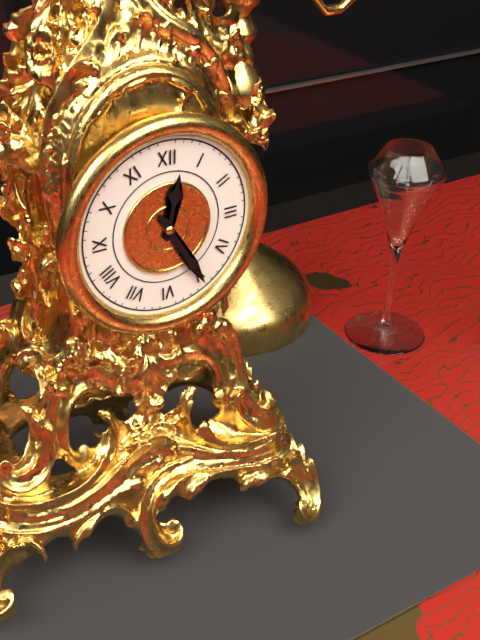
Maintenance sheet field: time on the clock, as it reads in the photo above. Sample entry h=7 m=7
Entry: h=12 m=25
